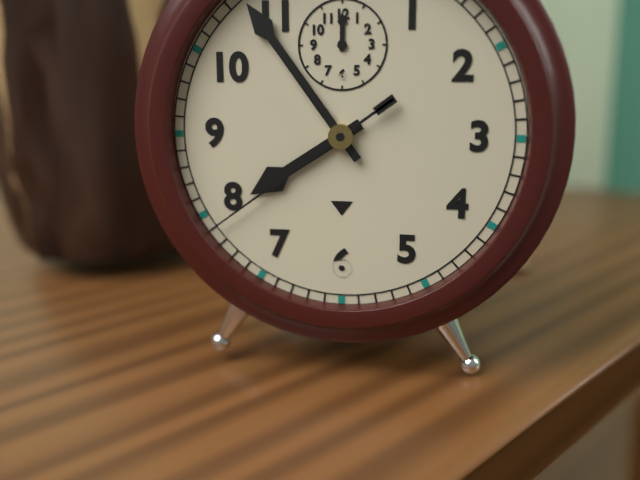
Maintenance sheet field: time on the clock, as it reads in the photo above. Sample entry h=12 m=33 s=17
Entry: h=7 m=54 s=39
